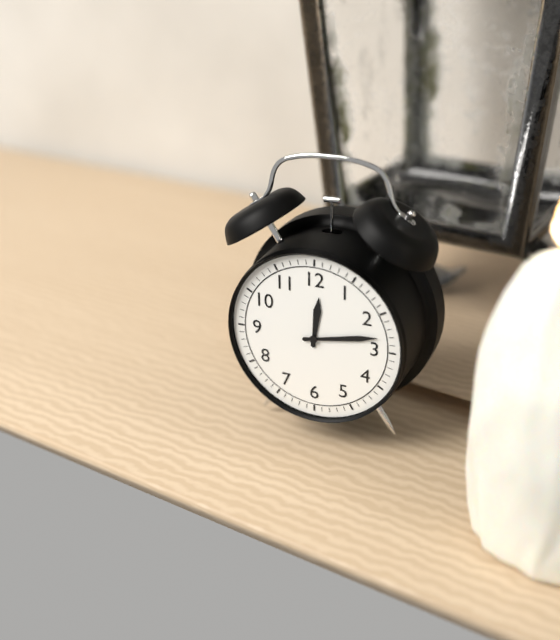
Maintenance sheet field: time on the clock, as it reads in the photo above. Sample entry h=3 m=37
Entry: h=12 m=13
